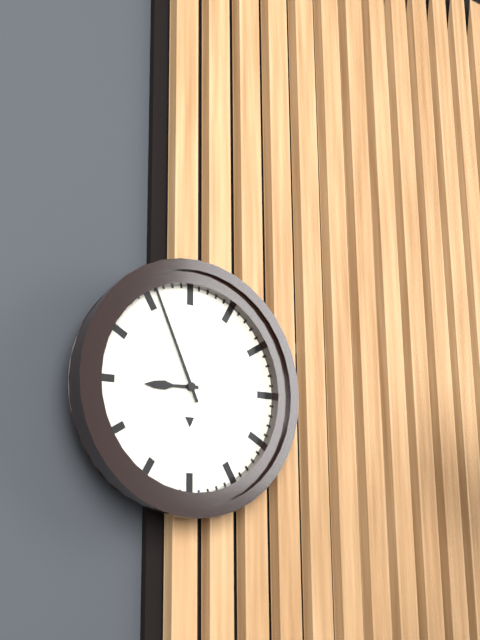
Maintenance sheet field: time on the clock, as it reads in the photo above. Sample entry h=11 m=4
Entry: h=8 m=56
